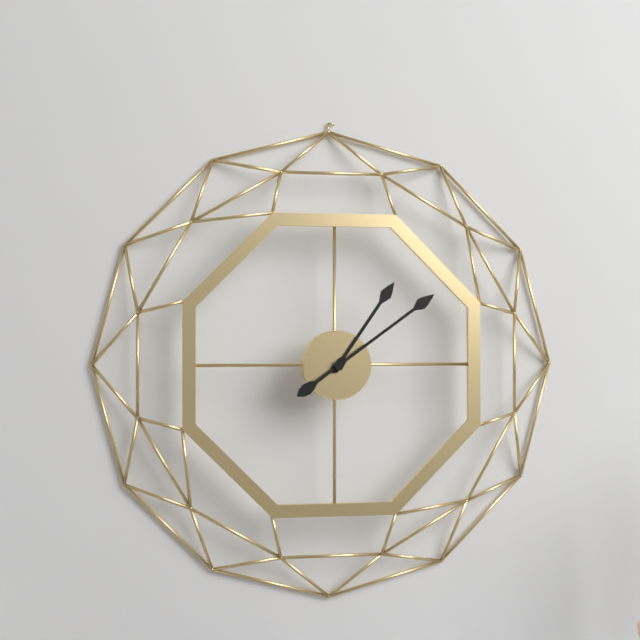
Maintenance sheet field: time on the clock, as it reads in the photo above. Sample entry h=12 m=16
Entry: h=1 m=9
